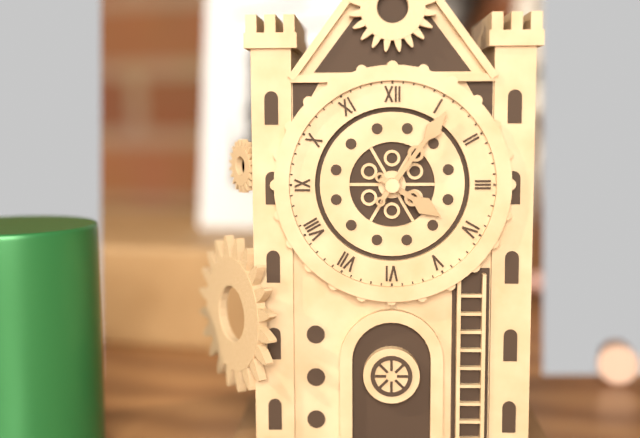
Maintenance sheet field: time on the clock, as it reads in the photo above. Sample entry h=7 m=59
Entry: h=4 m=6
